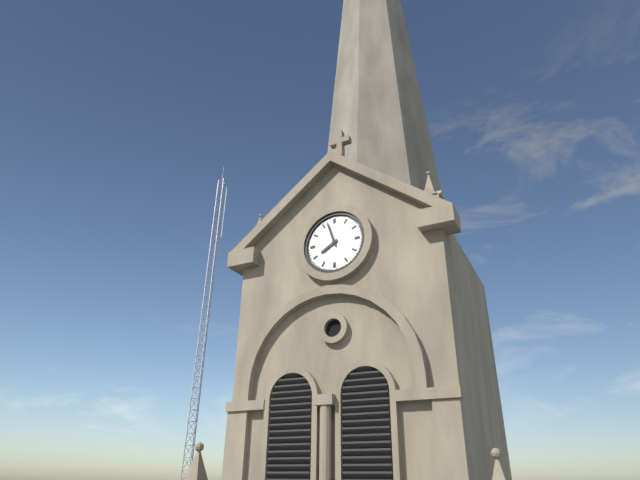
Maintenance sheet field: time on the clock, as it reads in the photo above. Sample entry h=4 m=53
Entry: h=7 m=57
